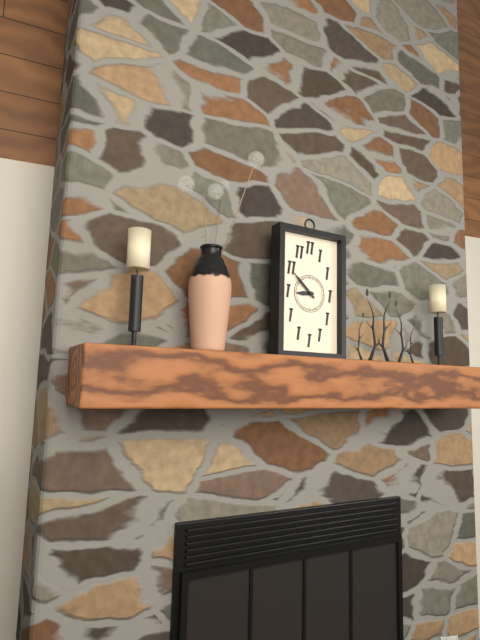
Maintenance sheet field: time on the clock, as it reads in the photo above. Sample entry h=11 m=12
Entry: h=8 m=52
